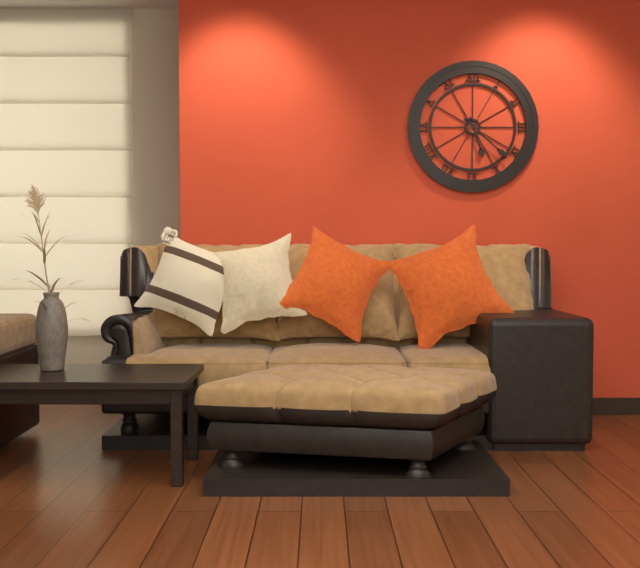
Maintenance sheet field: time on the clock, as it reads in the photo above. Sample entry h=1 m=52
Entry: h=5 m=22
